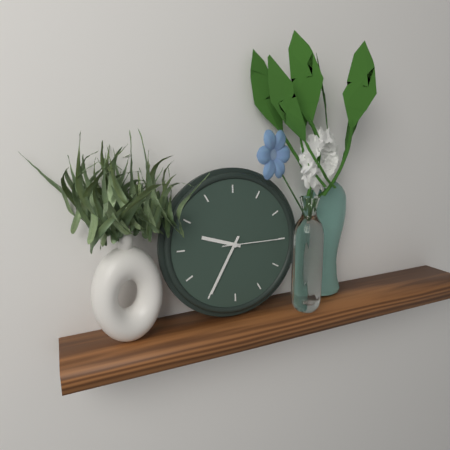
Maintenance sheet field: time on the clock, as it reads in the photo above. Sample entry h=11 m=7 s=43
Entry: h=9 m=35 s=15
